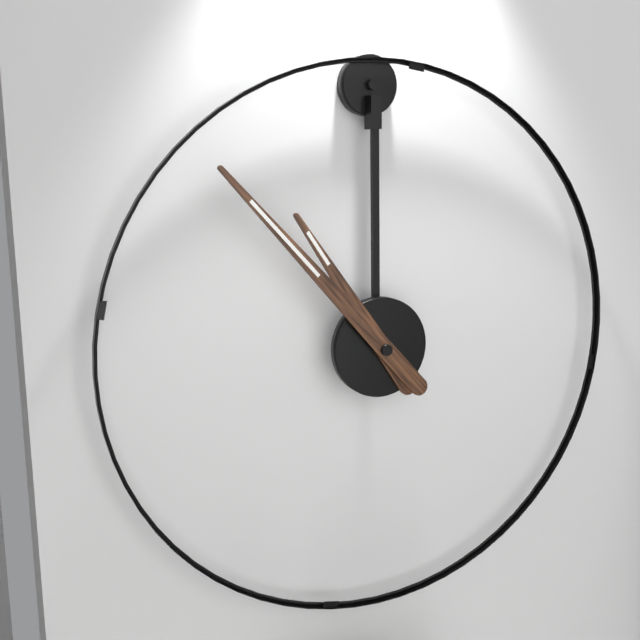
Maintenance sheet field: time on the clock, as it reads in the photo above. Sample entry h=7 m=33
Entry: h=10 m=53
